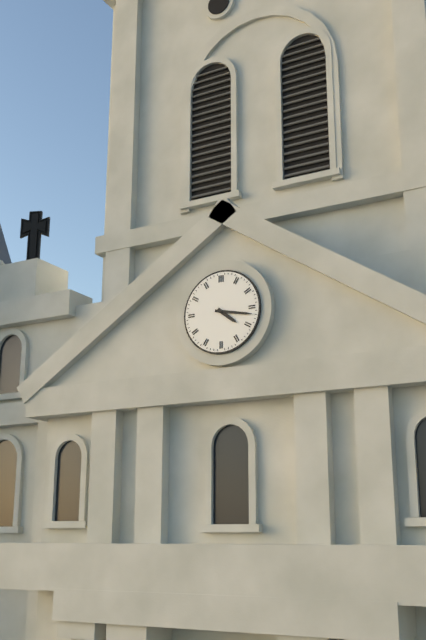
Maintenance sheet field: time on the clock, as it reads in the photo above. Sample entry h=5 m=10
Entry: h=4 m=17
